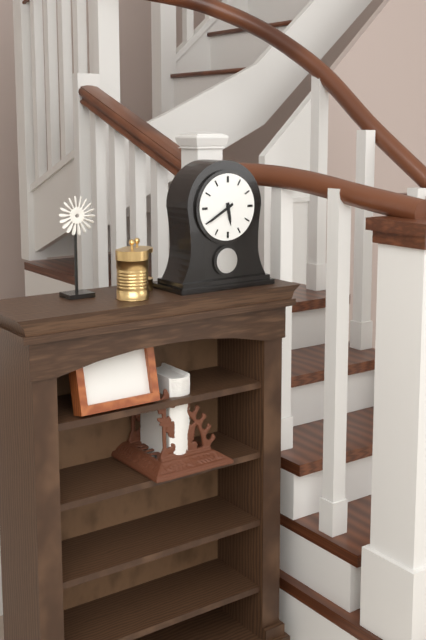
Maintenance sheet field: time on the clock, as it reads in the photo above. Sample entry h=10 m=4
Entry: h=5 m=40
